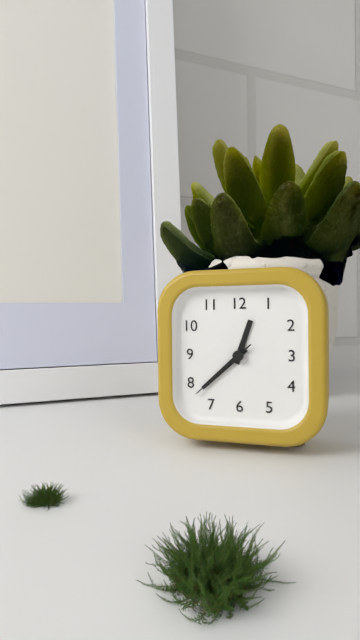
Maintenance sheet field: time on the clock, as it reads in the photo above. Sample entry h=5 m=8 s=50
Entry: h=12 m=38 s=38
